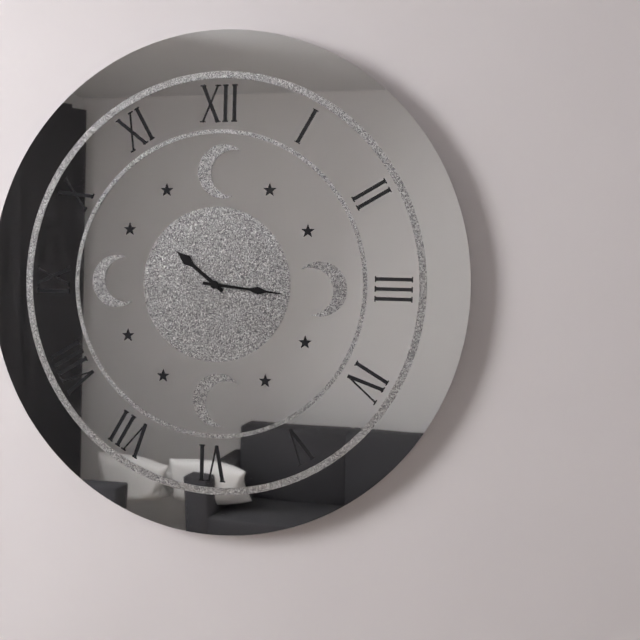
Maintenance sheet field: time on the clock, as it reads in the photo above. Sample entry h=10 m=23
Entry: h=10 m=16
